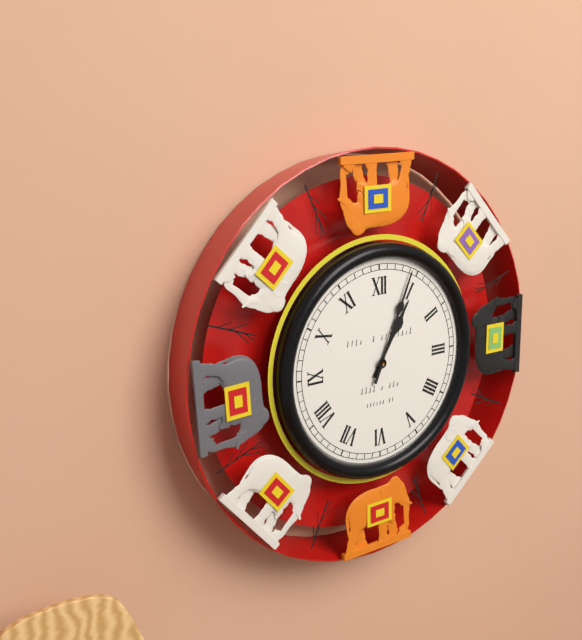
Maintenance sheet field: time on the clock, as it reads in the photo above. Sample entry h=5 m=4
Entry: h=1 m=4
